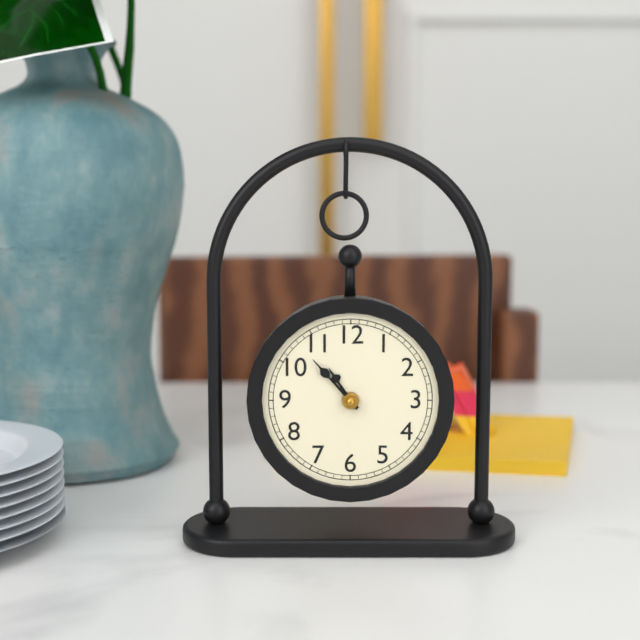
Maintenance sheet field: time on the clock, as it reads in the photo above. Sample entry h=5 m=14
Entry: h=10 m=53
